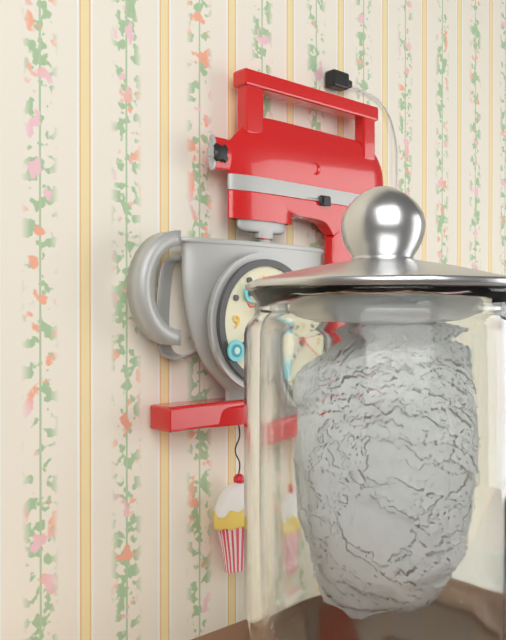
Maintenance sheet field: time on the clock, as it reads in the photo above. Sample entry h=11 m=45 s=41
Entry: h=10 m=40 s=20
